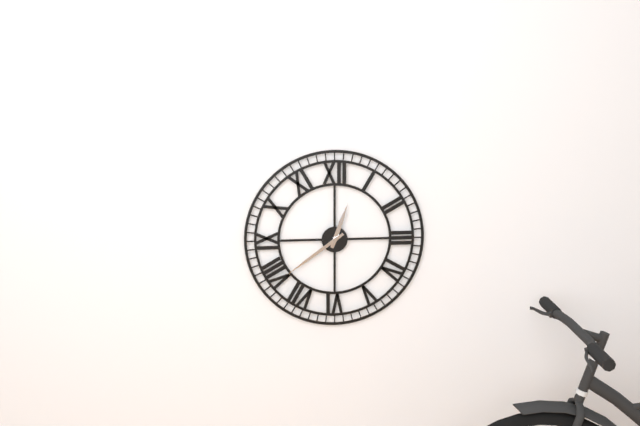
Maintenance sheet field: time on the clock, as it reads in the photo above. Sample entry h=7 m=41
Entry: h=12 m=39
